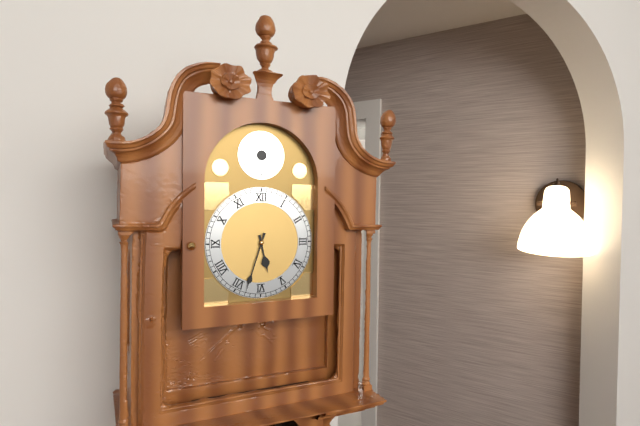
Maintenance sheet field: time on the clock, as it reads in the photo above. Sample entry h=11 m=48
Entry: h=5 m=33
